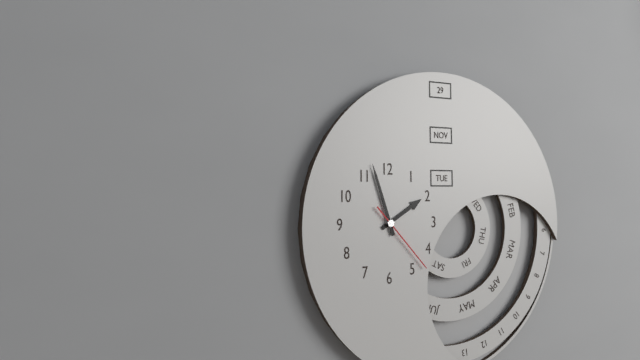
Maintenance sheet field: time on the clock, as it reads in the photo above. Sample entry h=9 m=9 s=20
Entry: h=1 m=57 s=23
